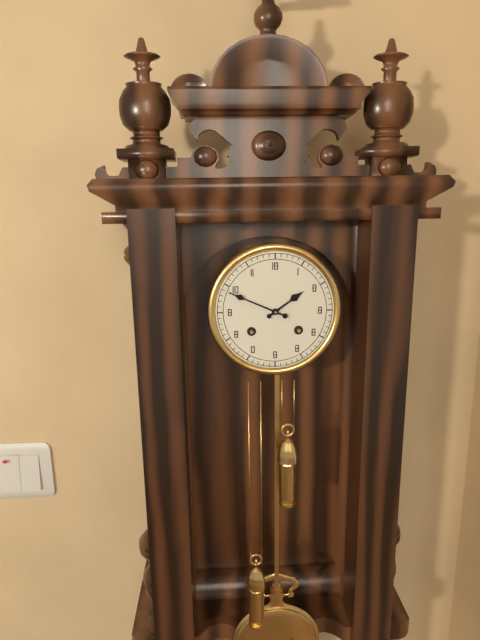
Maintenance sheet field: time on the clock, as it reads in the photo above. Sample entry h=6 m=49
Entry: h=1 m=49
